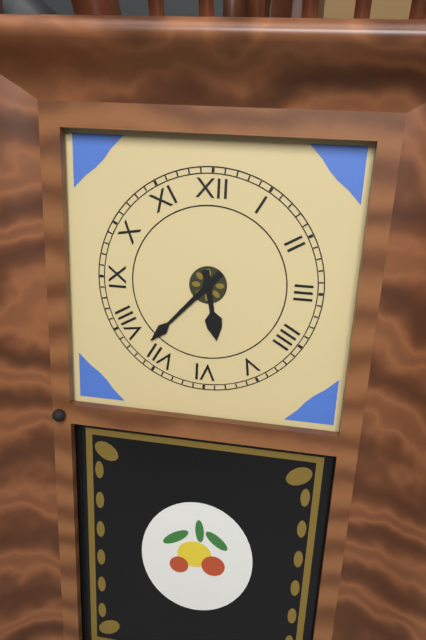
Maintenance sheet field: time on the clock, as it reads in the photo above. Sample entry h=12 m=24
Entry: h=5 m=37
